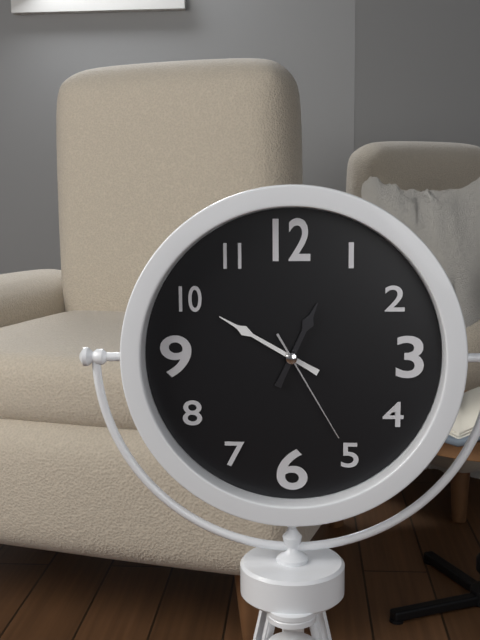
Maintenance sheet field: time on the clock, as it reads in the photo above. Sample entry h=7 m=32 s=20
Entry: h=12 m=50 s=25
